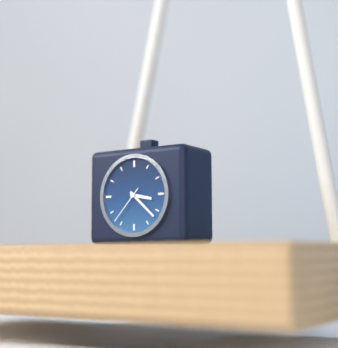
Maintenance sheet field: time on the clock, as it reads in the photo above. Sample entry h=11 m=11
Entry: h=3 m=22
